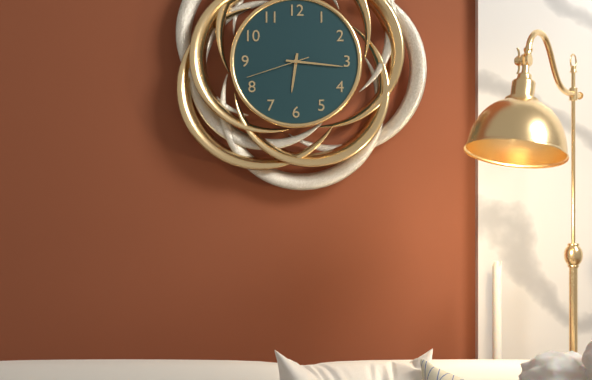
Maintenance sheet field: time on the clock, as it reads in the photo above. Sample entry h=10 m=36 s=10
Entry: h=6 m=16 s=42
